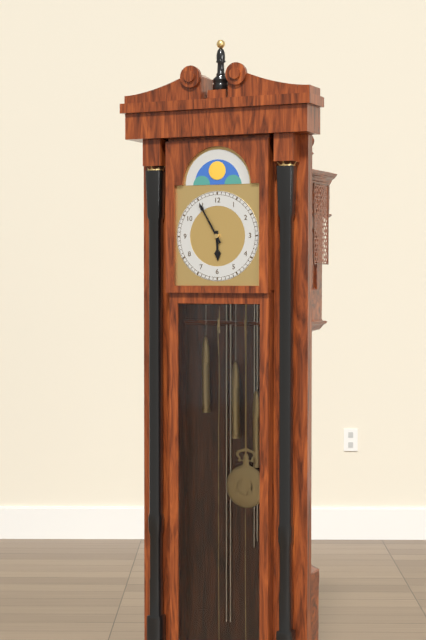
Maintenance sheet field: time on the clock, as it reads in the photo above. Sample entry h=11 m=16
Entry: h=5 m=55
